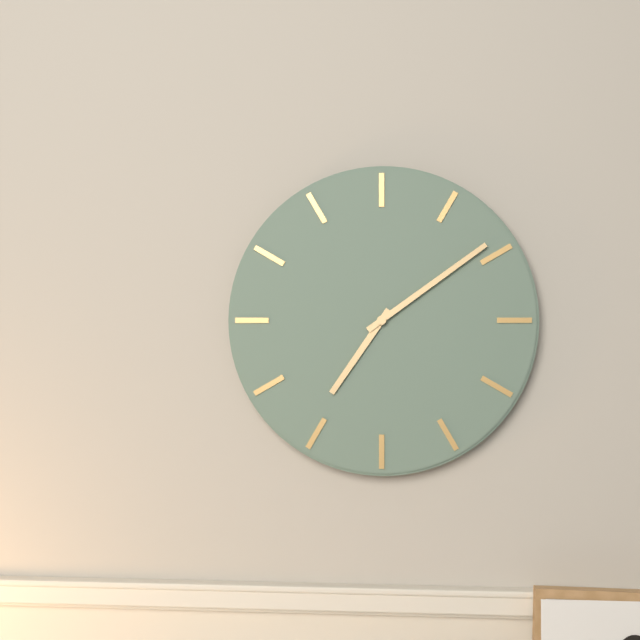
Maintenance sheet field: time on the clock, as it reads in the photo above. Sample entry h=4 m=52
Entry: h=7 m=9
